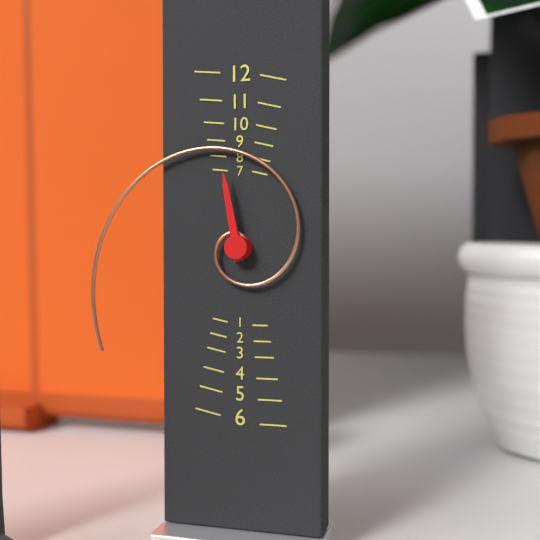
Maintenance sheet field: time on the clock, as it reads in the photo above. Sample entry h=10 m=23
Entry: h=11 m=39
